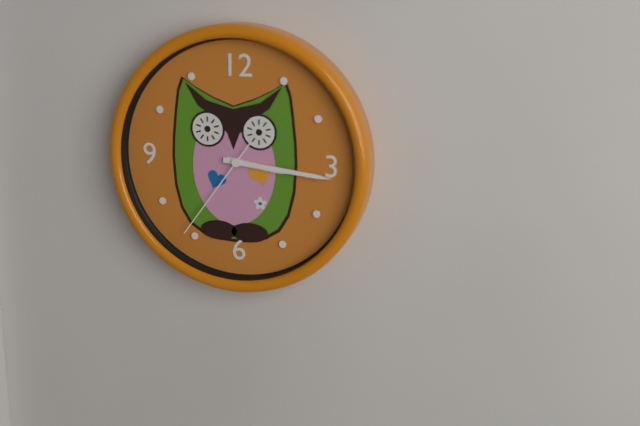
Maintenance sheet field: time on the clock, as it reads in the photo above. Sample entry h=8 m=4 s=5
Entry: h=3 m=16 s=36
